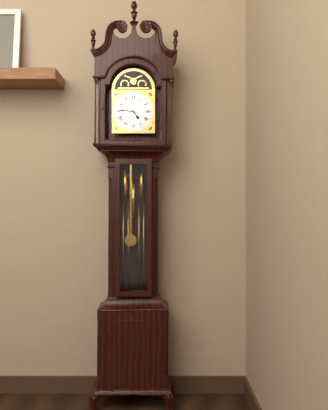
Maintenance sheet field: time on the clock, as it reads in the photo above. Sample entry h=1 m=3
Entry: h=4 m=46
